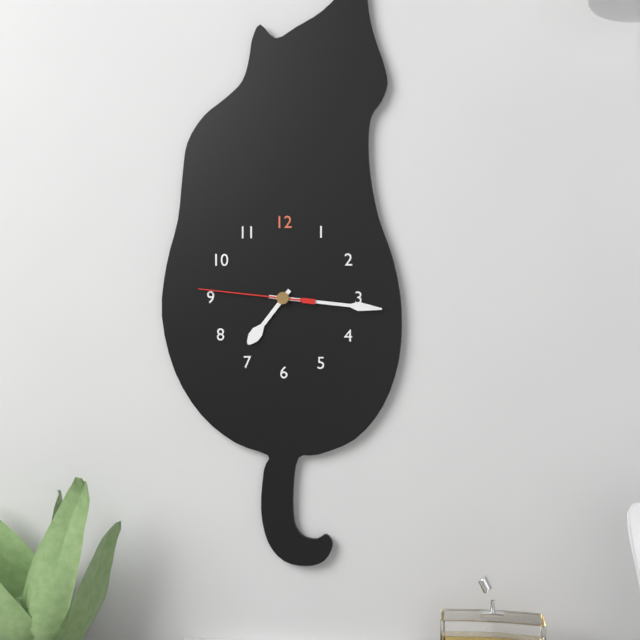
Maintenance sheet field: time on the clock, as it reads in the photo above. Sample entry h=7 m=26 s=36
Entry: h=7 m=16 s=46
